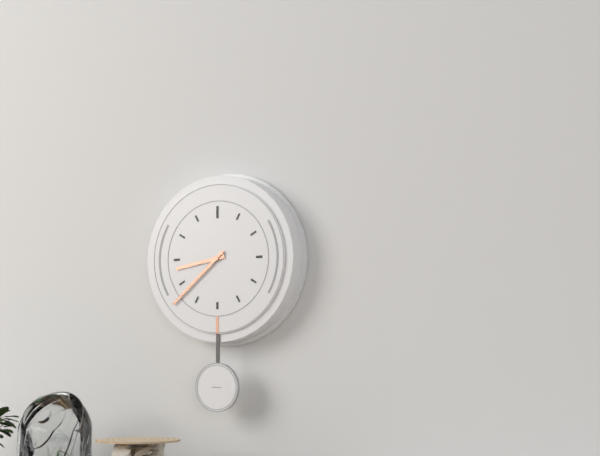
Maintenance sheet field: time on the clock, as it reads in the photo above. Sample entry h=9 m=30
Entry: h=8 m=38
